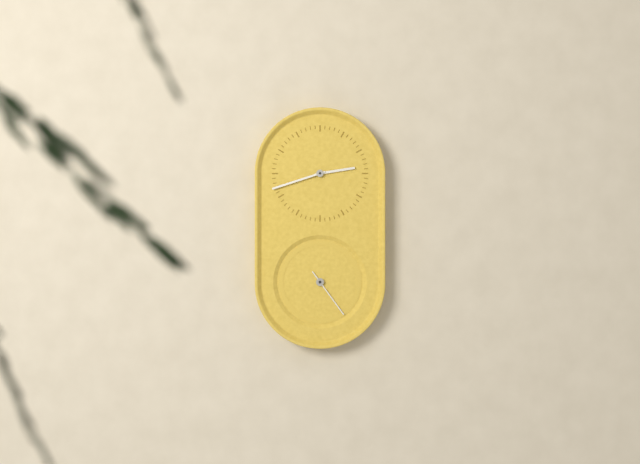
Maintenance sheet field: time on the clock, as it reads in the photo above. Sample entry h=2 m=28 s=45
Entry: h=2 m=42 s=24
